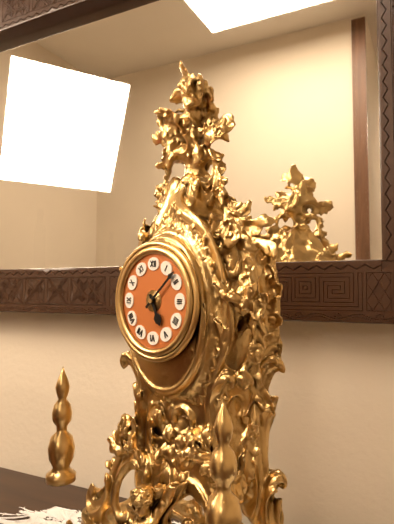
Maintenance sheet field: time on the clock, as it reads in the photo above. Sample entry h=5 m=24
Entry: h=5 m=8
